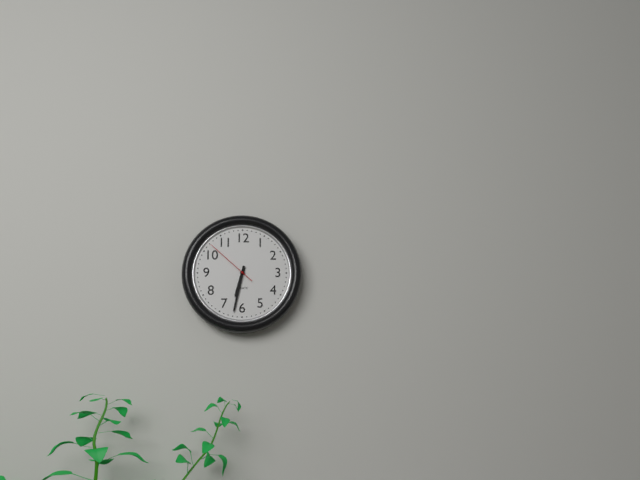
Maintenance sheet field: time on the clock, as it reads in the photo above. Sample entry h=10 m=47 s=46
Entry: h=6 m=32 s=52
